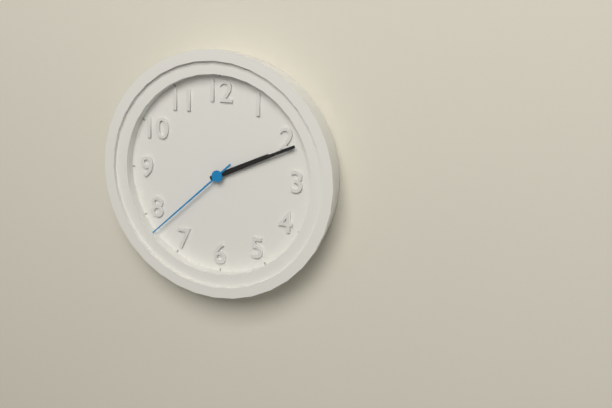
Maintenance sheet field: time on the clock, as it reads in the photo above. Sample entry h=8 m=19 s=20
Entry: h=2 m=11 s=38
